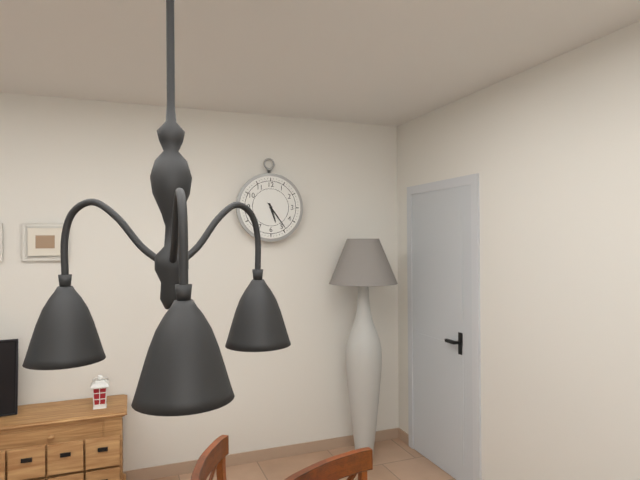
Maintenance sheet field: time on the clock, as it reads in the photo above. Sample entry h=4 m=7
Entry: h=5 m=24
